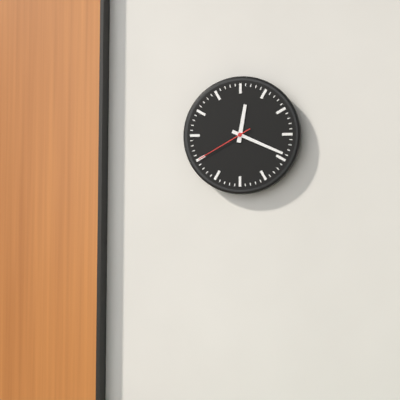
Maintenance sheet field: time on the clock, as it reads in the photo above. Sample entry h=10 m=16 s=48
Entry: h=12 m=19 s=40
